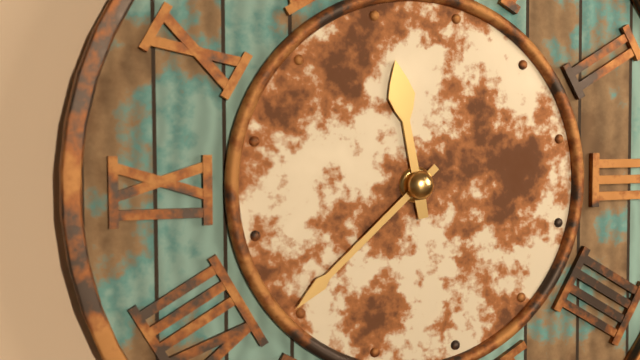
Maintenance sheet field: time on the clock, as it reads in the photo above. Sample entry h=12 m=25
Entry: h=11 m=38
